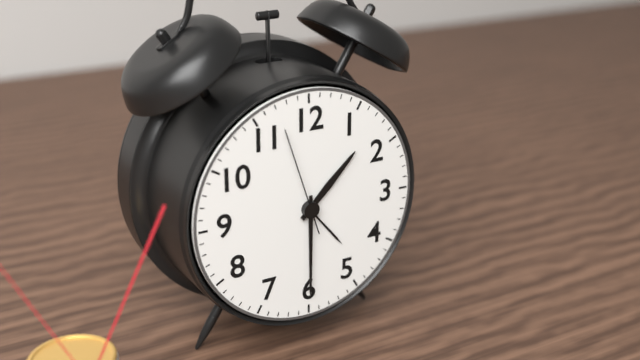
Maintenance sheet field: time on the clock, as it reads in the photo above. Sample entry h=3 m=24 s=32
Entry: h=1 m=30 s=57
